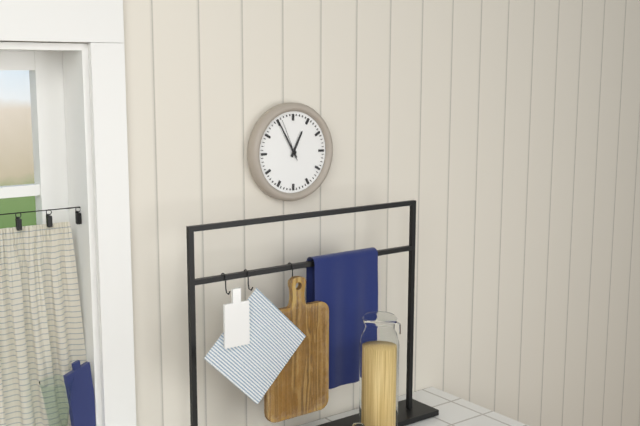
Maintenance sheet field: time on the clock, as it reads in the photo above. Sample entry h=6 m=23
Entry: h=12 m=55
